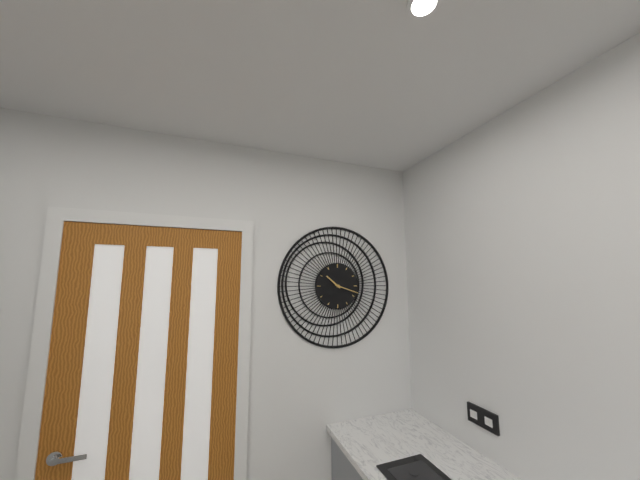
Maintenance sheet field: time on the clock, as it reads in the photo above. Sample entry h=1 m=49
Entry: h=10 m=18
